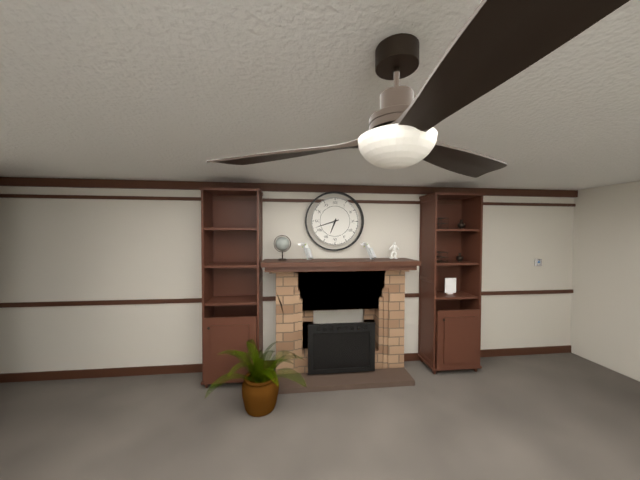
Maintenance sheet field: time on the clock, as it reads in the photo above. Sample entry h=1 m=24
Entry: h=6 m=42
